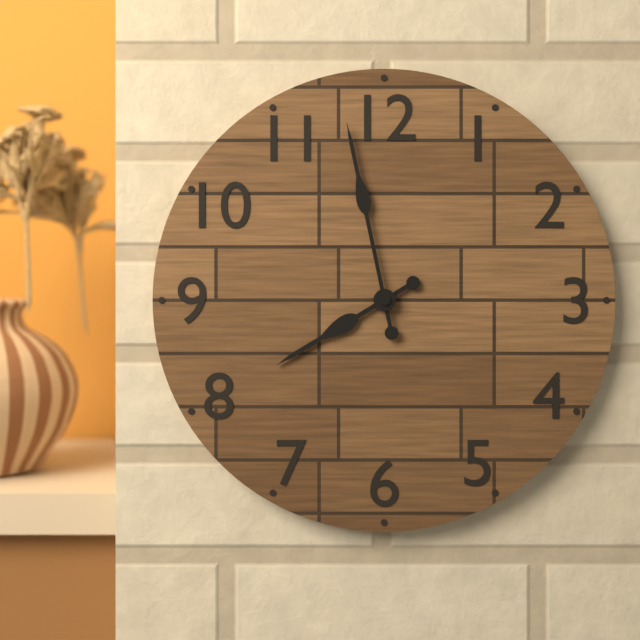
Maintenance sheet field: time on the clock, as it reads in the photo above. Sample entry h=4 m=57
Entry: h=7 m=58
